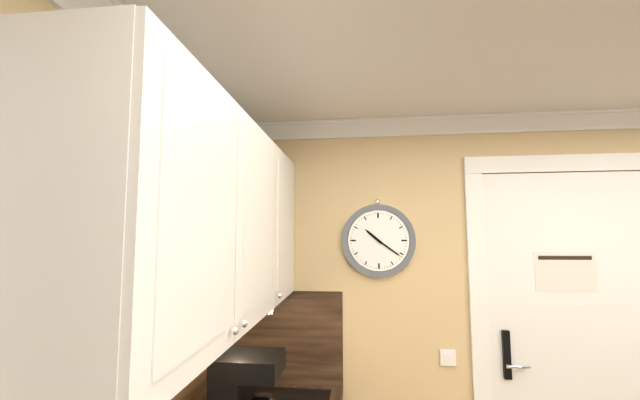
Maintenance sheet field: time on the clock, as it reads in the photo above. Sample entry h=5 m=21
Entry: h=10 m=21
